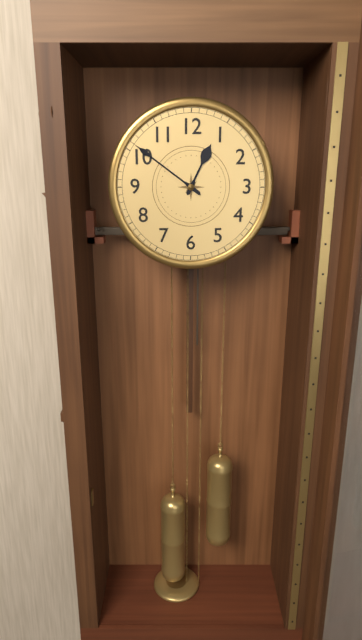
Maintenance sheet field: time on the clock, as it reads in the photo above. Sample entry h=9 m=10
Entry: h=12 m=51
